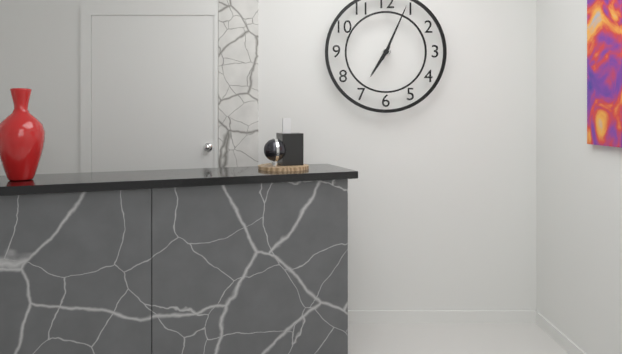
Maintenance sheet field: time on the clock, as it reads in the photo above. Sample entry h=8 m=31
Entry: h=7 m=4
